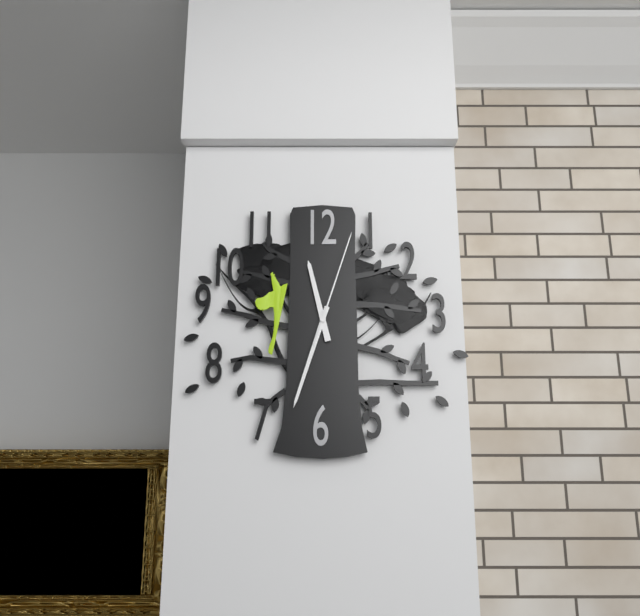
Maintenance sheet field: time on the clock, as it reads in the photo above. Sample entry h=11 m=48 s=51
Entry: h=11 m=33 s=3
